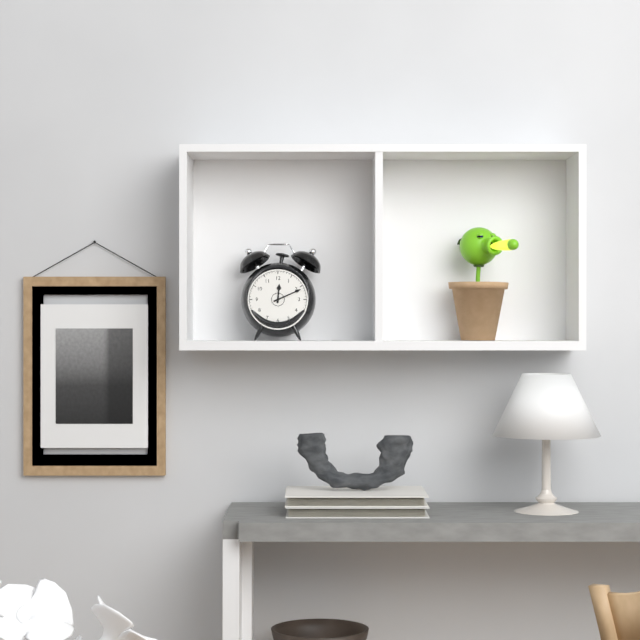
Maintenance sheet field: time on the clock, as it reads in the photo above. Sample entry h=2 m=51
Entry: h=12 m=11
